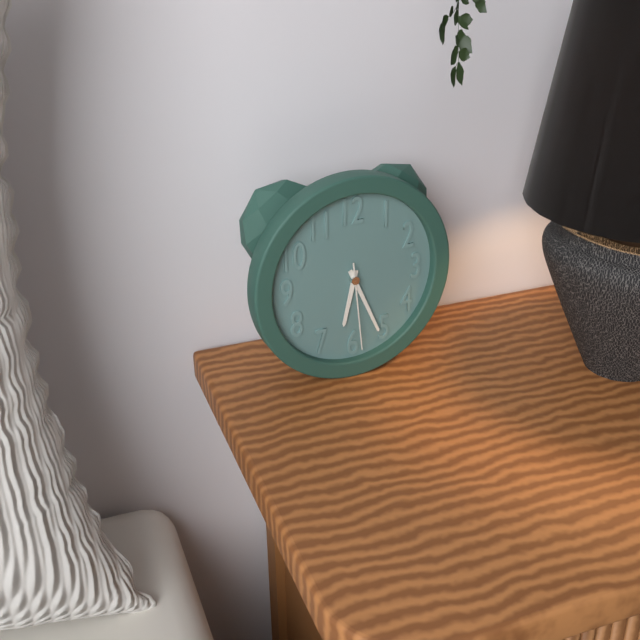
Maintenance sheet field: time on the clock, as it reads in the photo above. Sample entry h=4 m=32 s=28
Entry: h=6 m=26 s=29
